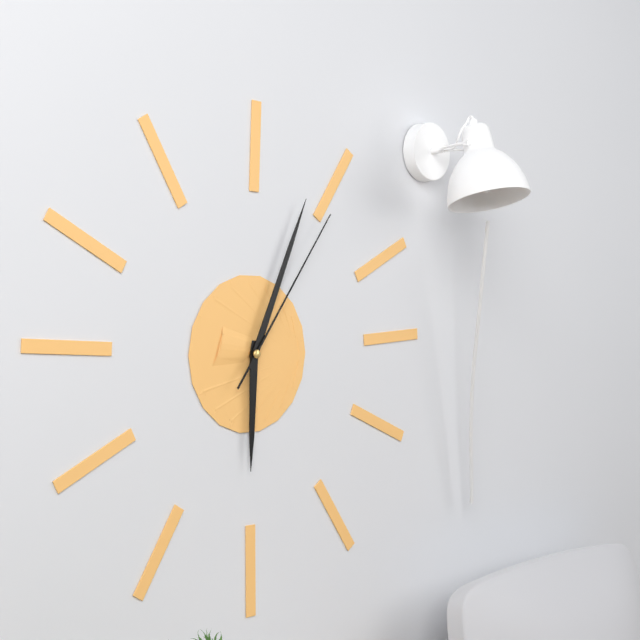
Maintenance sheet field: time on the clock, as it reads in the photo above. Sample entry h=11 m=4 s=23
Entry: h=6 m=4 s=6
